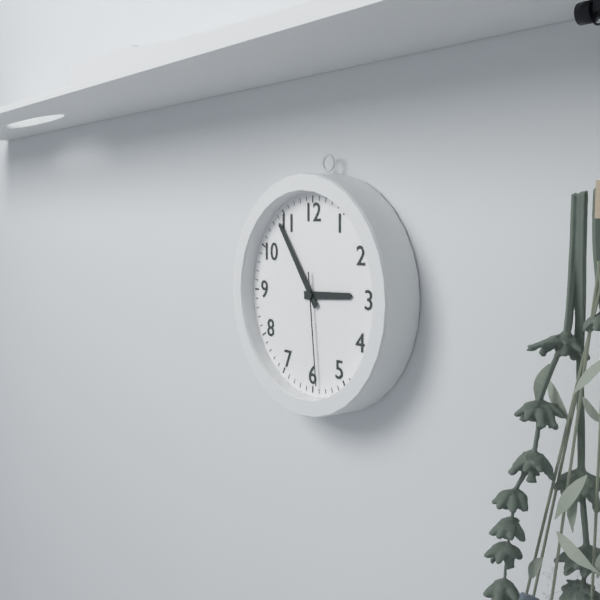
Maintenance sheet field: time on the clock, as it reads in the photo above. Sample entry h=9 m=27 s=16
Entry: h=2 m=54 s=29
